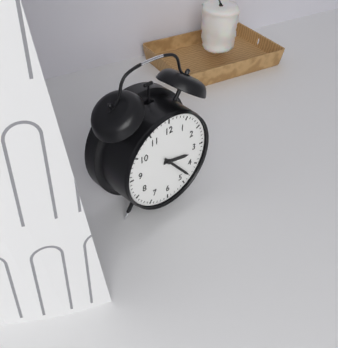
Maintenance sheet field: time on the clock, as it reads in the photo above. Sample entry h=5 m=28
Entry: h=3 m=23
